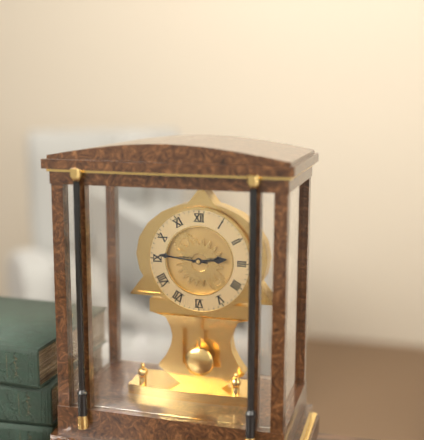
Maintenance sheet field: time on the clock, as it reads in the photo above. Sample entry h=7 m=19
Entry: h=2 m=46
